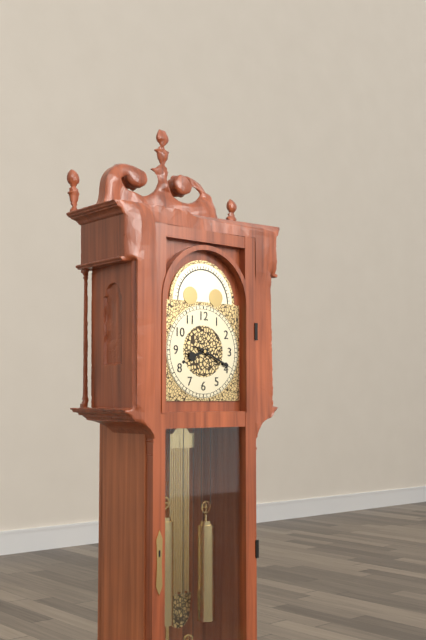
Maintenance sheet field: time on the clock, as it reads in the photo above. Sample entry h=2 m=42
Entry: h=8 m=19
